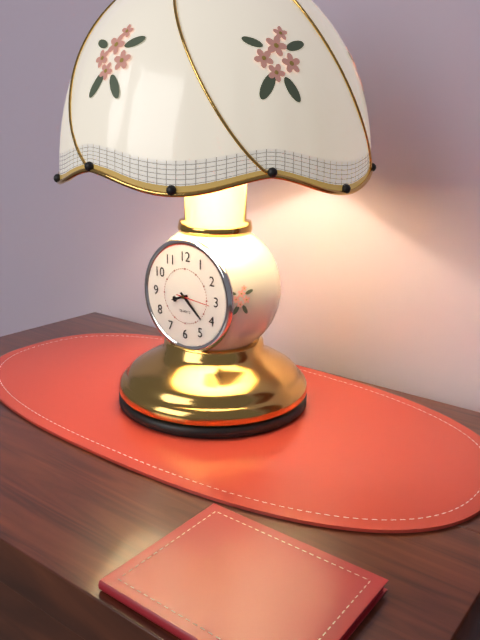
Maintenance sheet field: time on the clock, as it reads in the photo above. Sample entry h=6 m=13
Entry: h=8 m=22
